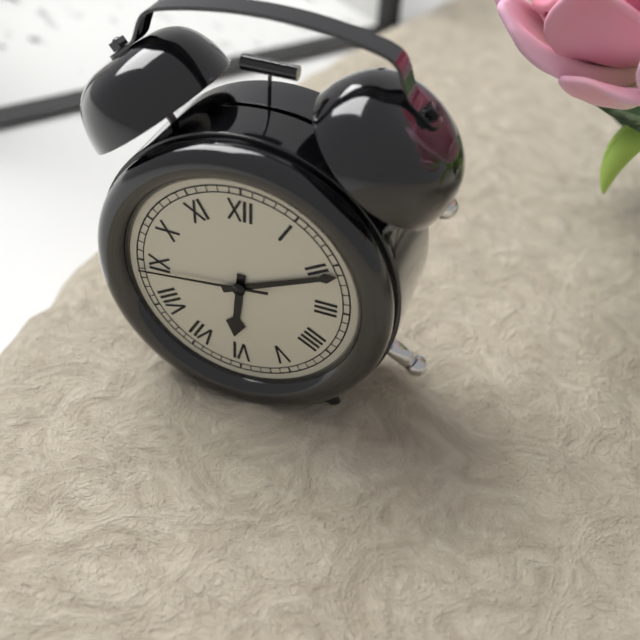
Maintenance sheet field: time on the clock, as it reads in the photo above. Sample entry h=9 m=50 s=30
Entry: h=6 m=11 s=44
